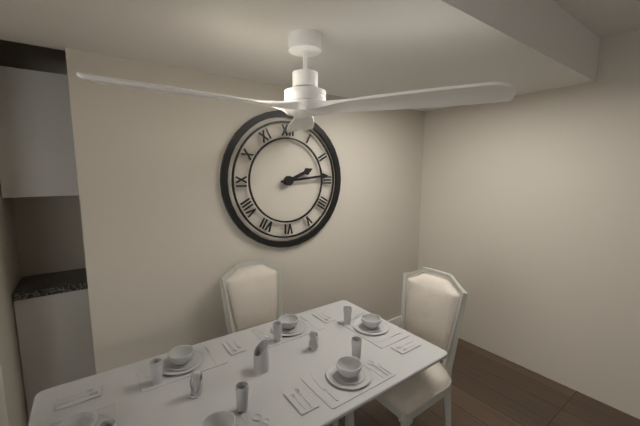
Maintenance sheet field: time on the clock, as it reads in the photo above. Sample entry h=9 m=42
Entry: h=2 m=14
